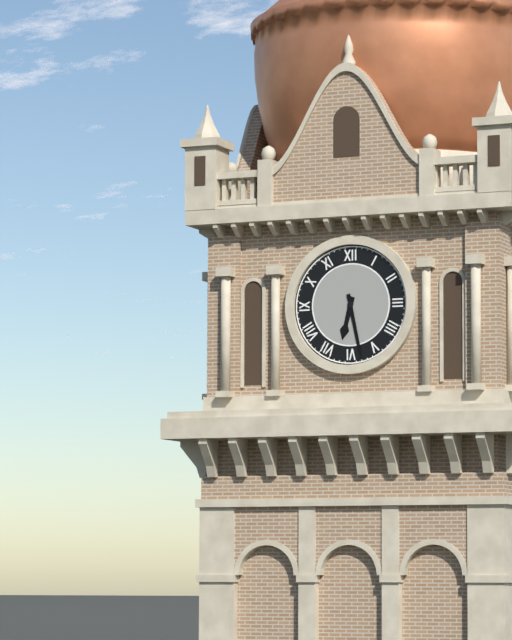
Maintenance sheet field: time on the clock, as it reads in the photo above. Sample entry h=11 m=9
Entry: h=6 m=28
